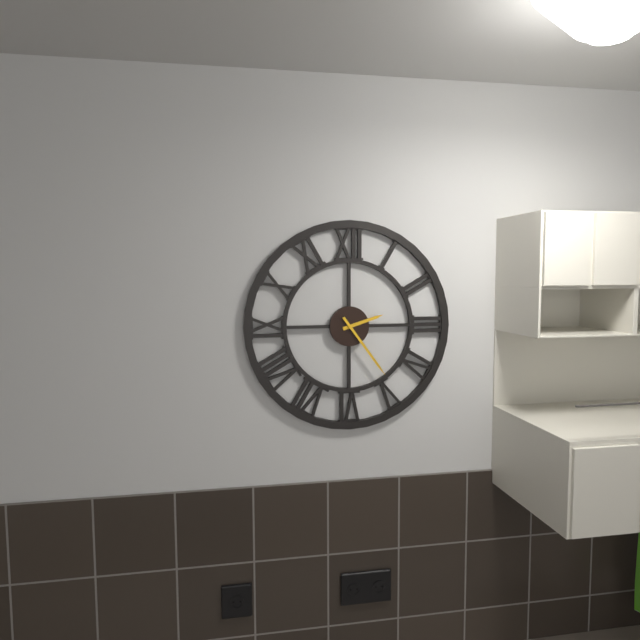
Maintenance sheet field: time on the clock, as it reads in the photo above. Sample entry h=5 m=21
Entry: h=2 m=24
